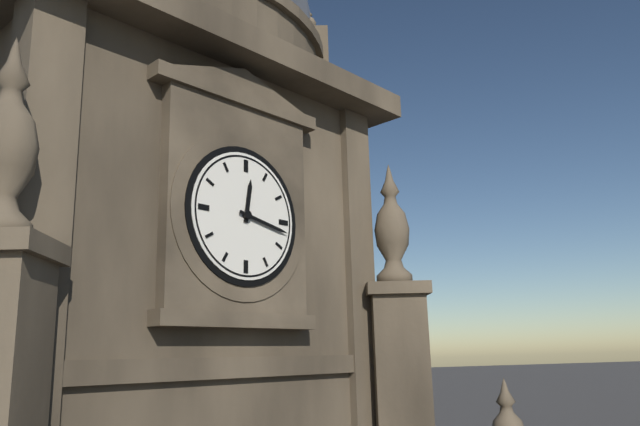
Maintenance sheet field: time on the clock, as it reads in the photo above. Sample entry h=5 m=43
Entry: h=12 m=17
